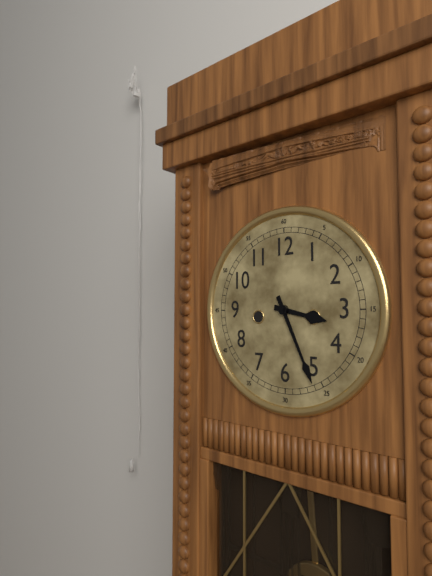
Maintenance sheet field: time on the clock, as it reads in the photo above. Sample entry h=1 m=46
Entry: h=3 m=26
